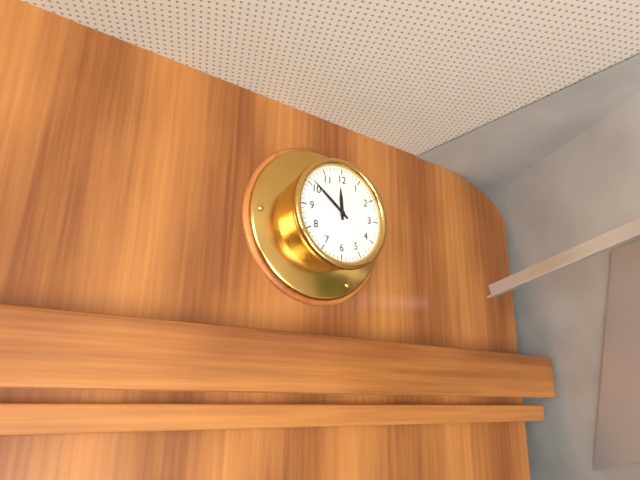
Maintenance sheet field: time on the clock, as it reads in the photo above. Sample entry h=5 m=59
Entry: h=11 m=51
